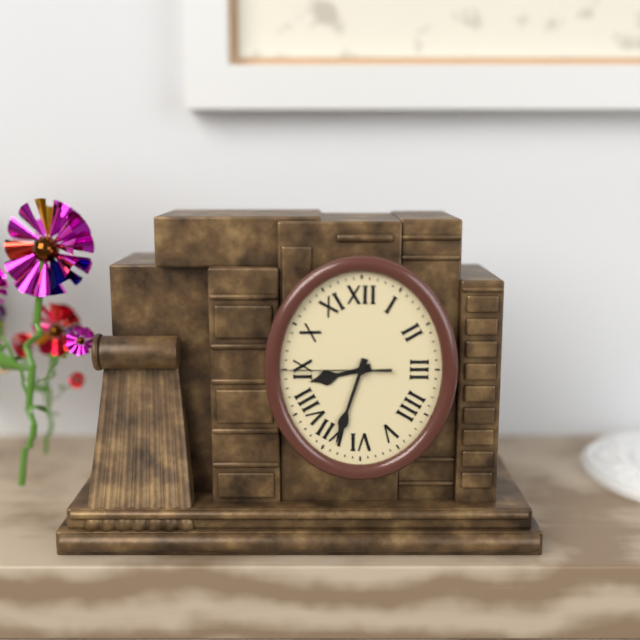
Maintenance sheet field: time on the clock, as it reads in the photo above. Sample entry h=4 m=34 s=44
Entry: h=8 m=33 s=45
